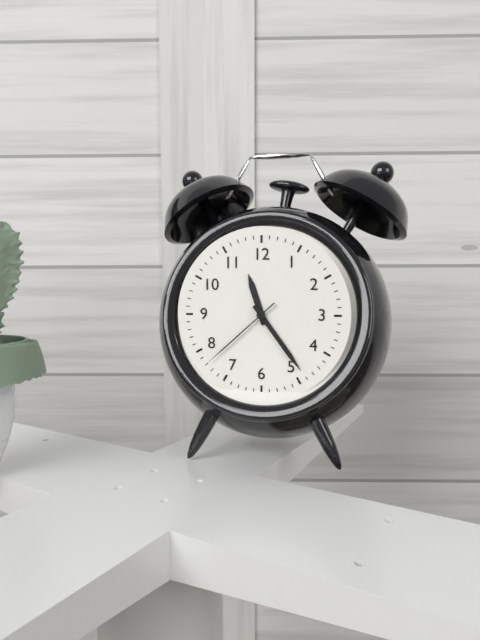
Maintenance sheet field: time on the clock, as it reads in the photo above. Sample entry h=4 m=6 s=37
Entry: h=11 m=24 s=38
